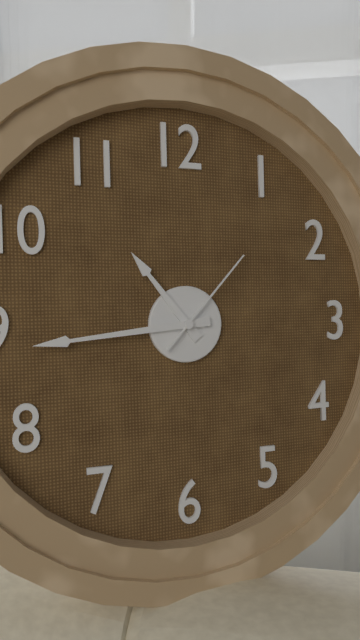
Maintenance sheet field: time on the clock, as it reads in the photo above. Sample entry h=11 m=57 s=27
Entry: h=10 m=44 s=7
